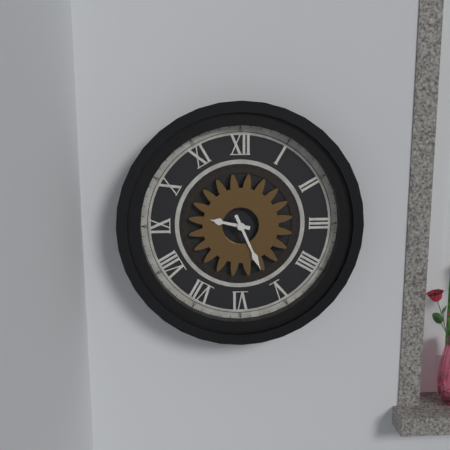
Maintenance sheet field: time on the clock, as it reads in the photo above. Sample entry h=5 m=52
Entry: h=9 m=26
